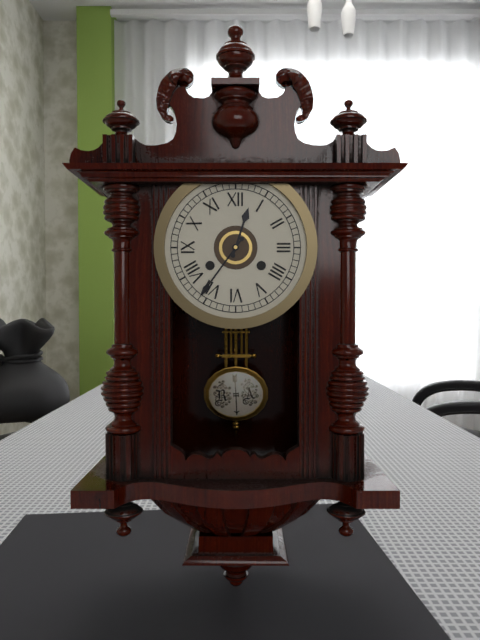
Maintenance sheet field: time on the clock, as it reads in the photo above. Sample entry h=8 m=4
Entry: h=12 m=36
